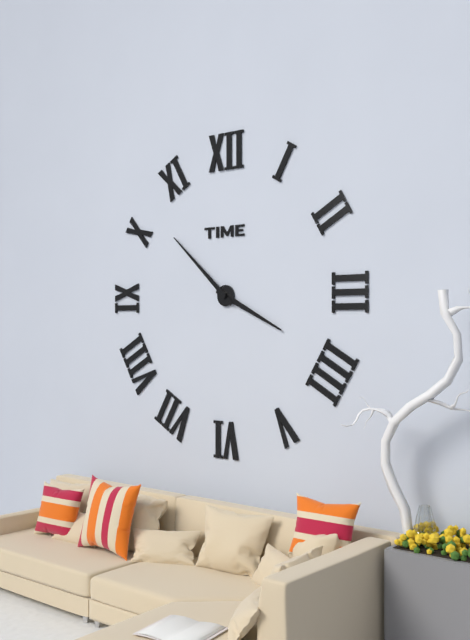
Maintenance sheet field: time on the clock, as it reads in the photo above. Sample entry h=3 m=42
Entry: h=3 m=52
